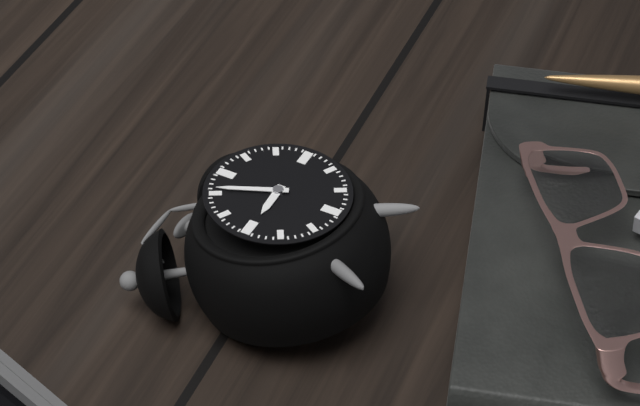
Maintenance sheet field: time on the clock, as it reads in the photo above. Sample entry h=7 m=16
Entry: h=8 m=56
